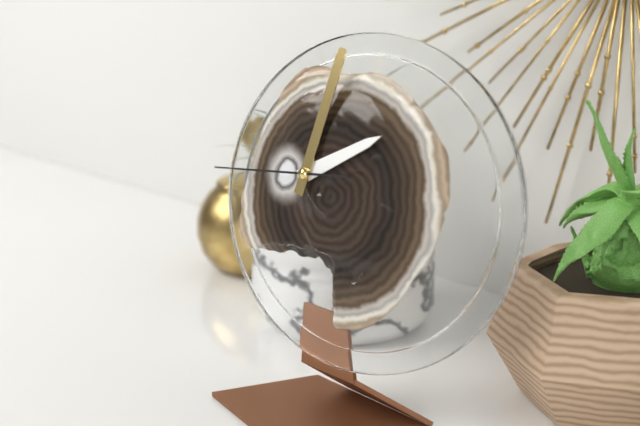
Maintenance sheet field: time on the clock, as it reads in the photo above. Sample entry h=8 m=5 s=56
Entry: h=2 m=2 s=44
